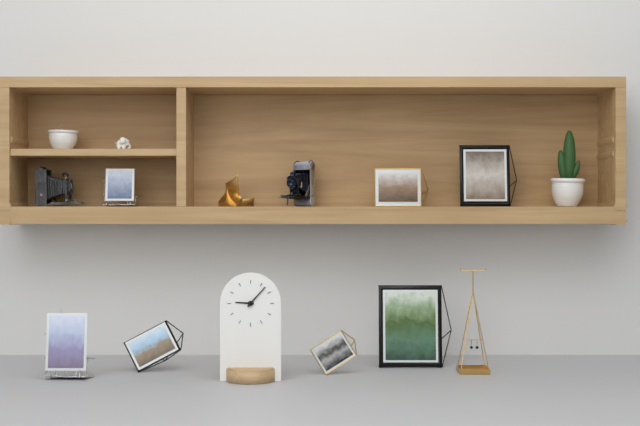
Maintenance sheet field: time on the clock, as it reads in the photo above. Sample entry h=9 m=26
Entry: h=9 m=7
